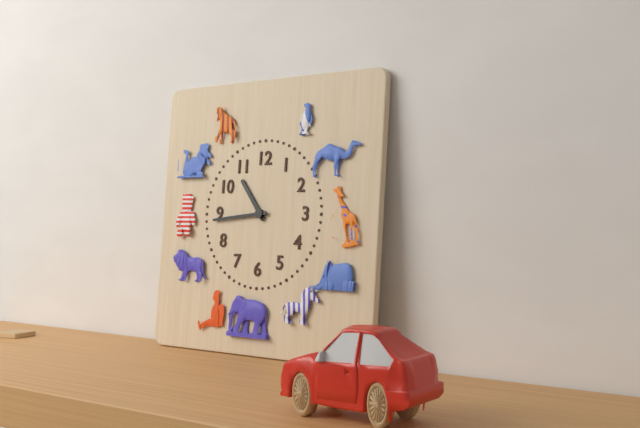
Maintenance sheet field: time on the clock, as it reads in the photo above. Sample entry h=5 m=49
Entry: h=10 m=44
